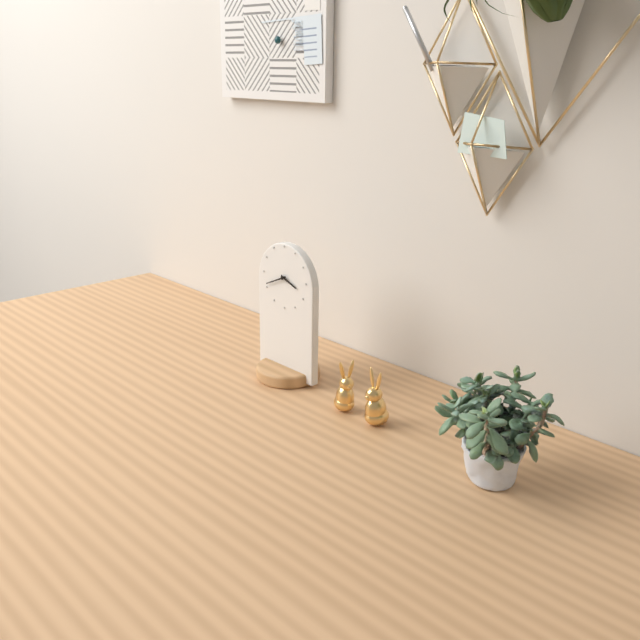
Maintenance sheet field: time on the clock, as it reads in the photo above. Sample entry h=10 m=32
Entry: h=3 m=41
